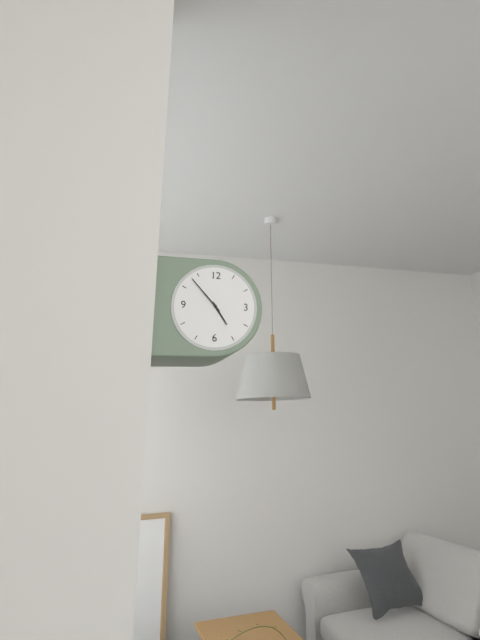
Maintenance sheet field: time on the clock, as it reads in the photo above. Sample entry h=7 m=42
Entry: h=4 m=53
